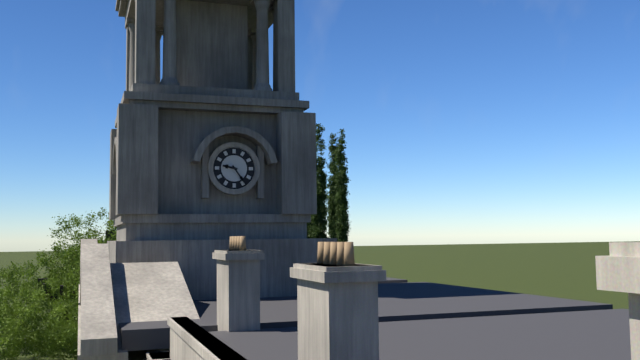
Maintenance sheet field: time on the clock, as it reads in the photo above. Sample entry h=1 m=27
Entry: h=9 m=24
